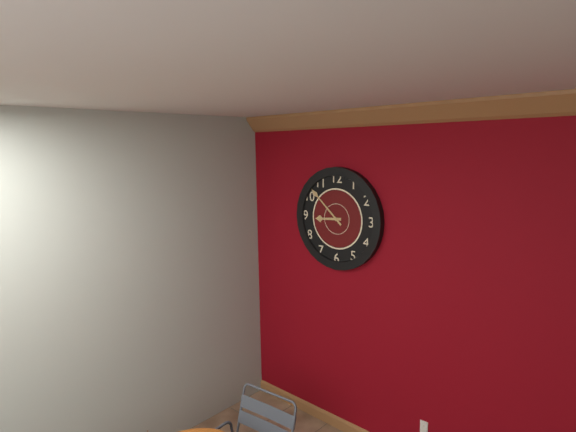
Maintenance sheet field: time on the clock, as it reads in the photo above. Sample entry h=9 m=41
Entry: h=8 m=52
